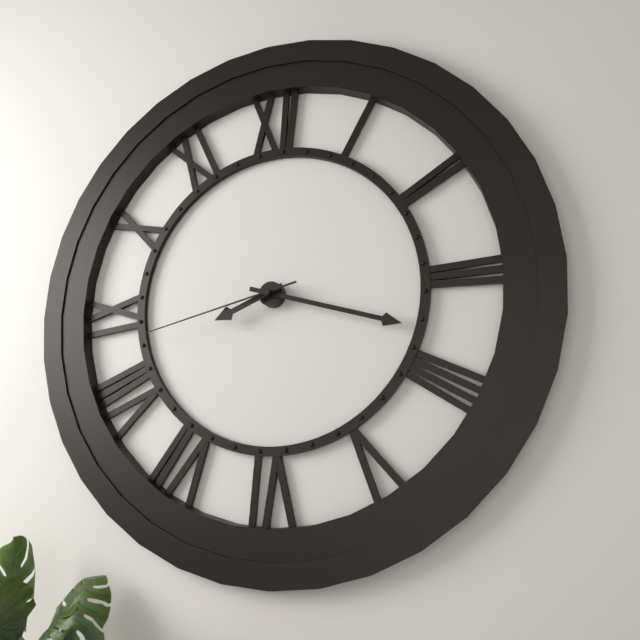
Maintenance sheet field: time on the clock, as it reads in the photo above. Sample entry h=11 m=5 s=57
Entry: h=8 m=18 s=43
